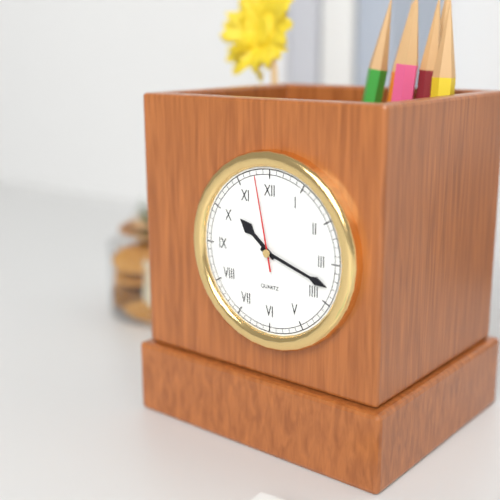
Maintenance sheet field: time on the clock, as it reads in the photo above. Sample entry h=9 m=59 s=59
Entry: h=10 m=18 s=58
